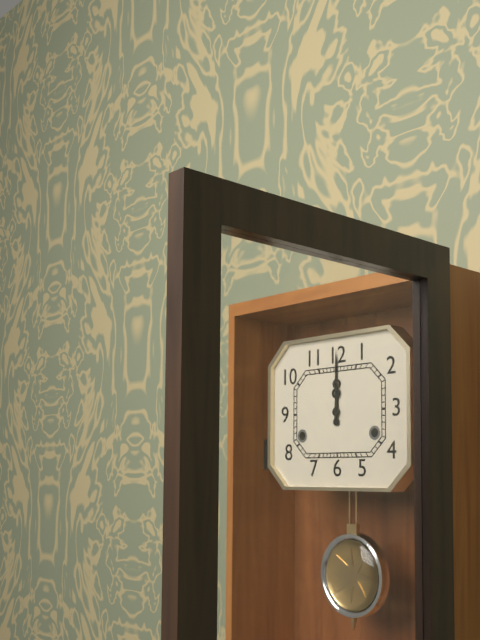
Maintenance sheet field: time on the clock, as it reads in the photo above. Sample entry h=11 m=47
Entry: h=12 m=0
